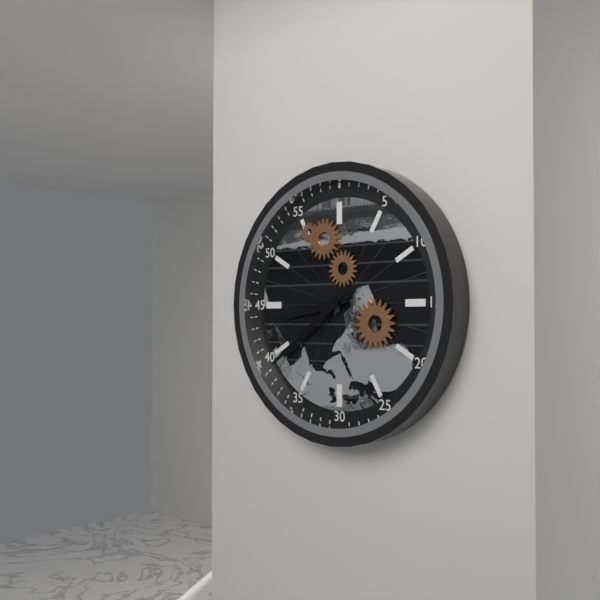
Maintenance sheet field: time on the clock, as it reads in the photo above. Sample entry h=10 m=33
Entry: h=8 m=39
